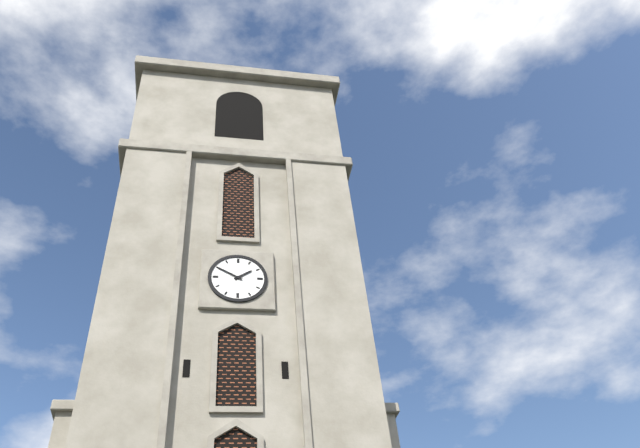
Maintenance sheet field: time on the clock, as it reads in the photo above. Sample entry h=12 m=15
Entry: h=1 m=50
